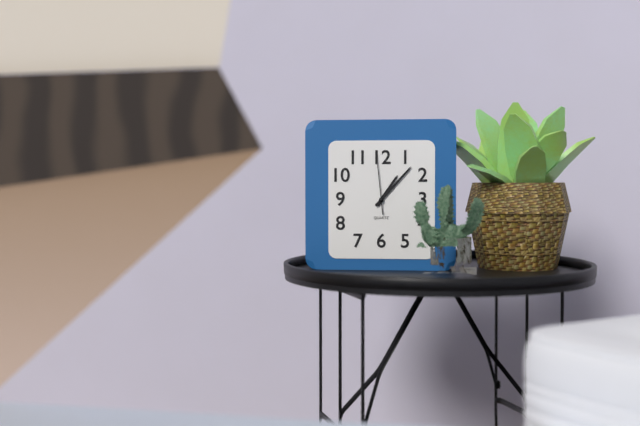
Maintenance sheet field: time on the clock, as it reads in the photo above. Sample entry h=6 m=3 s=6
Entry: h=1 m=7 s=59
